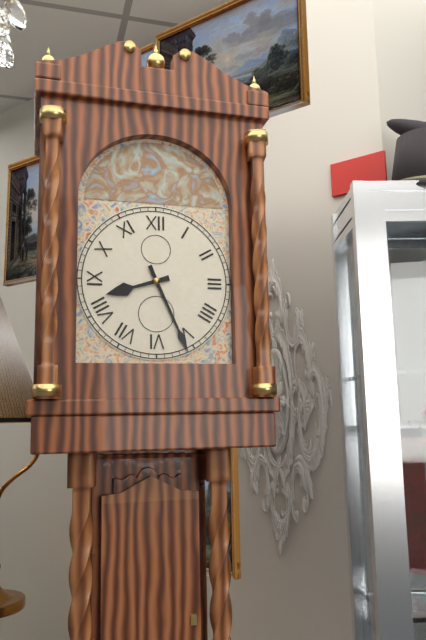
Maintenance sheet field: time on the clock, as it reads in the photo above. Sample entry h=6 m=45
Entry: h=8 m=26
